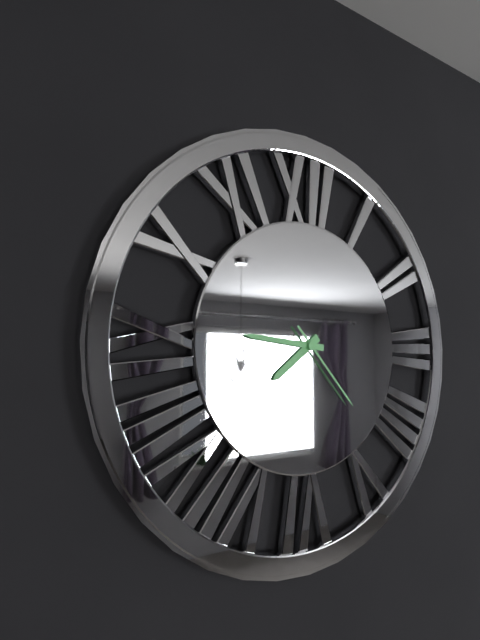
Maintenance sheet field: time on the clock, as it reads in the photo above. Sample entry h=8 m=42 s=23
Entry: h=7 m=46 s=23
